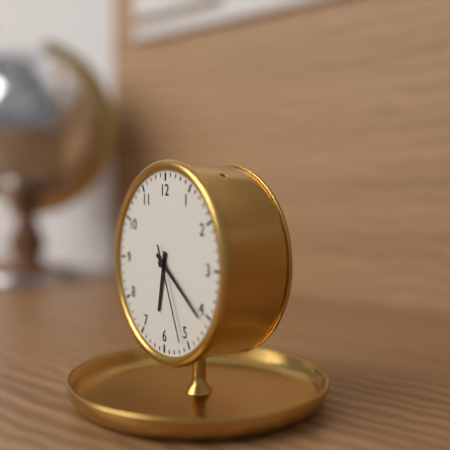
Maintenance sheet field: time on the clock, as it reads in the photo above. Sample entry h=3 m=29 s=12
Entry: h=6 m=21 s=26
